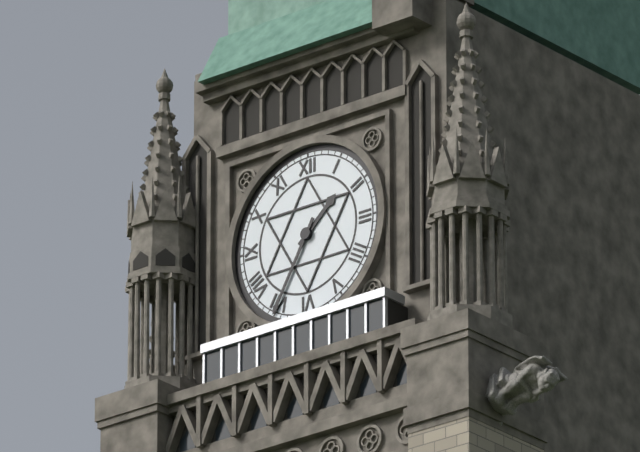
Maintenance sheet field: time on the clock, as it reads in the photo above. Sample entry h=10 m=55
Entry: h=1 m=35
